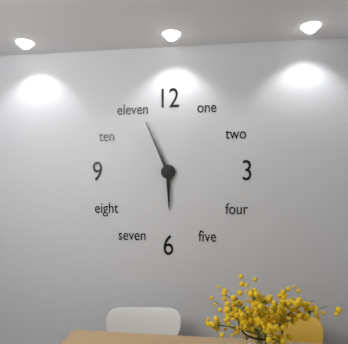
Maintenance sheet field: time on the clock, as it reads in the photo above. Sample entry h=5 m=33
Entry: h=5 m=56
